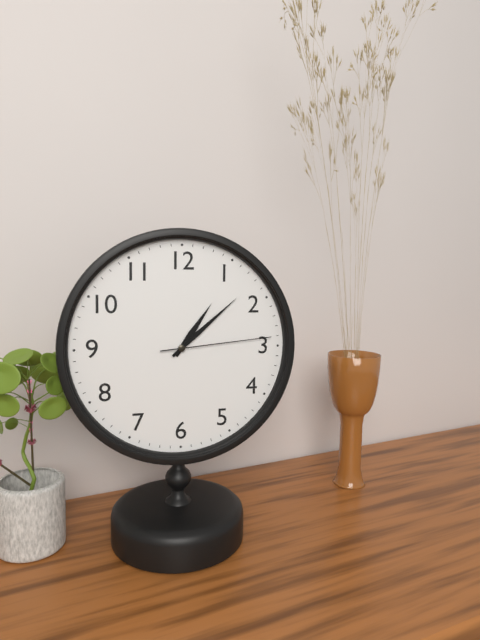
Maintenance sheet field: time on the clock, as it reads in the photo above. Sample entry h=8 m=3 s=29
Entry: h=1 m=8 s=14
